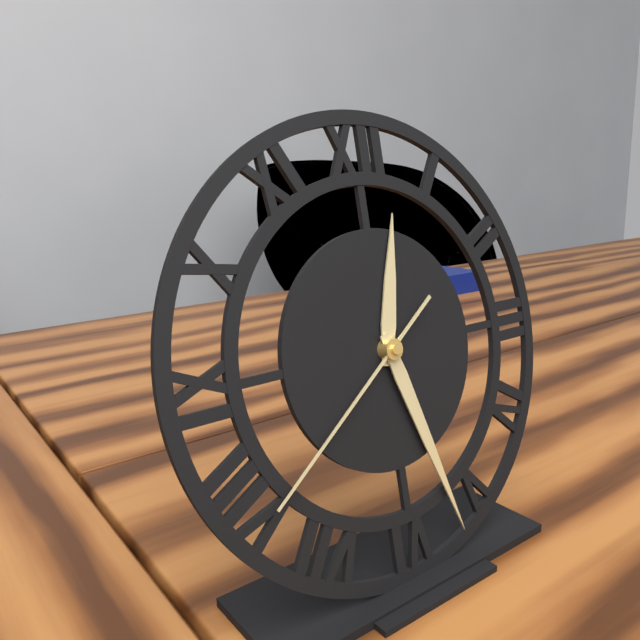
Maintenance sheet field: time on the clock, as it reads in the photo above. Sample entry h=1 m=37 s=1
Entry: h=12 m=27 s=39
